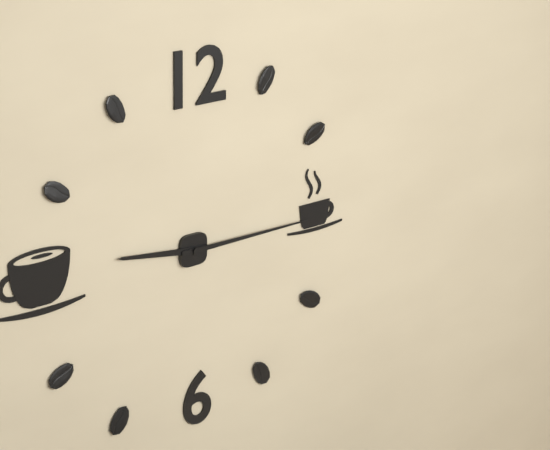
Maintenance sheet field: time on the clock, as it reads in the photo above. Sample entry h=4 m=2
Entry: h=9 m=15
